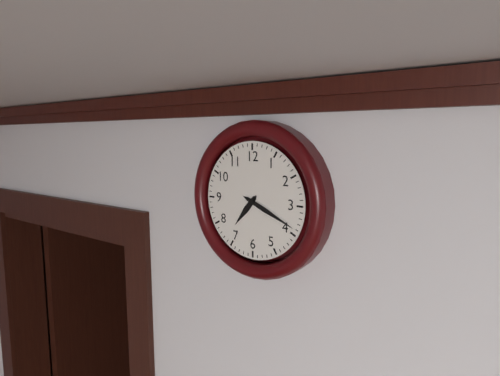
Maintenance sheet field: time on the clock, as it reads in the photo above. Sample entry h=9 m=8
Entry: h=7 m=19
